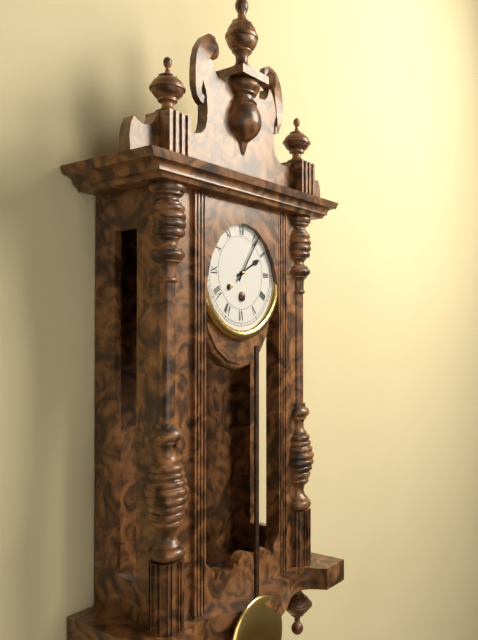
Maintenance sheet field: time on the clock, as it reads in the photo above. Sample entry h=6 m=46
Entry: h=2 m=6
